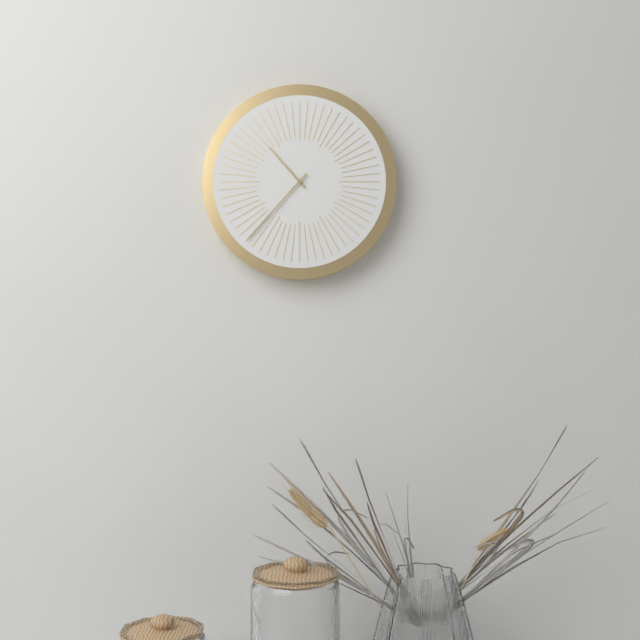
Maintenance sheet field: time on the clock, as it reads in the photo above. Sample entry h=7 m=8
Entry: h=10 m=37
